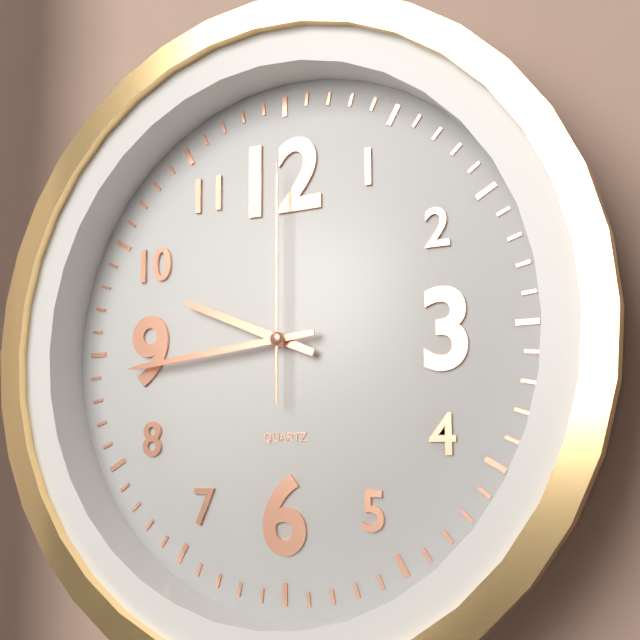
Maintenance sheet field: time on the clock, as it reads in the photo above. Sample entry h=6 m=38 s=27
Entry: h=9 m=44 s=0
